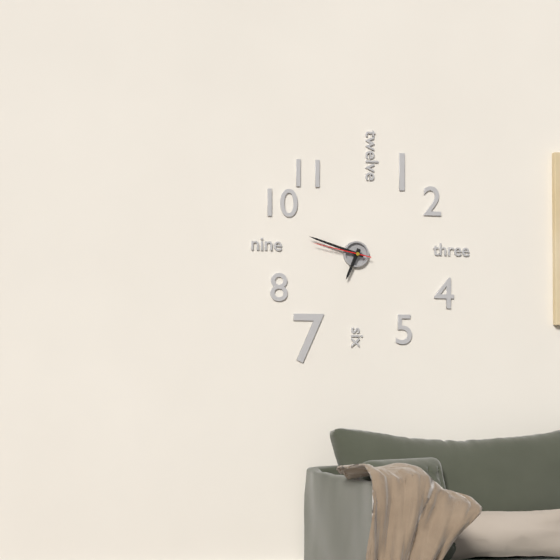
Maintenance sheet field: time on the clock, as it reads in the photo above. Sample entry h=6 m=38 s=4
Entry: h=6 m=48 s=47
